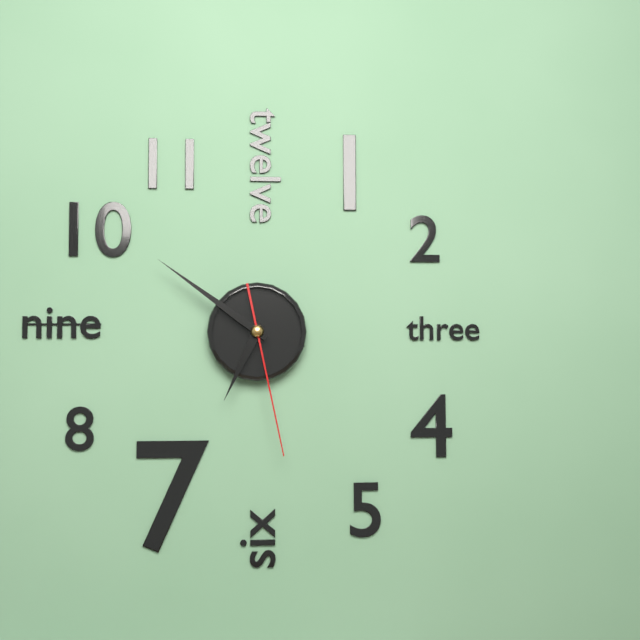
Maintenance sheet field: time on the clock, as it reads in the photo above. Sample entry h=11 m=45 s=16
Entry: h=6 m=51 s=28
